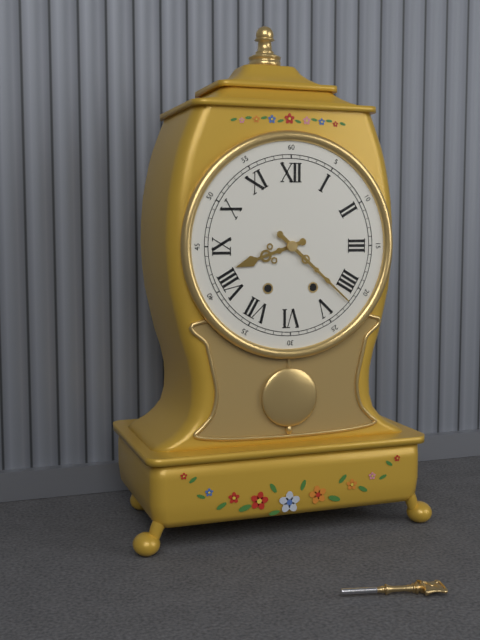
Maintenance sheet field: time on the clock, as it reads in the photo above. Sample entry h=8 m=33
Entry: h=8 m=22
